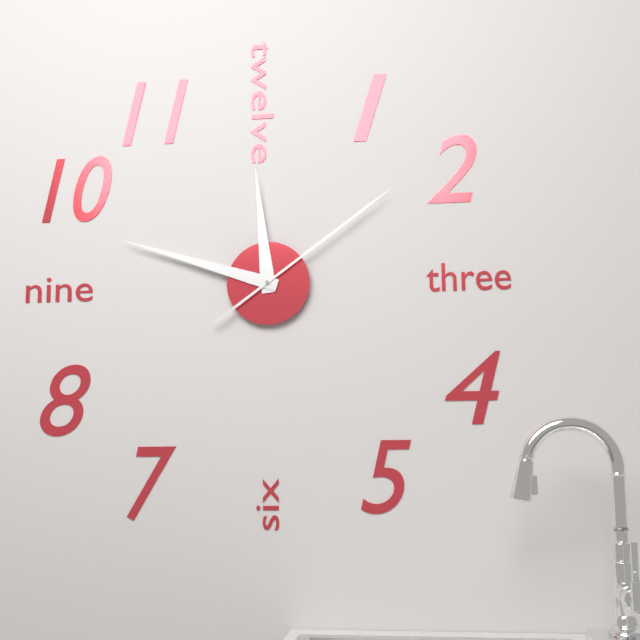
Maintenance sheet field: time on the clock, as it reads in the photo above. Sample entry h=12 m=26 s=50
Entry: h=11 m=48 s=9
